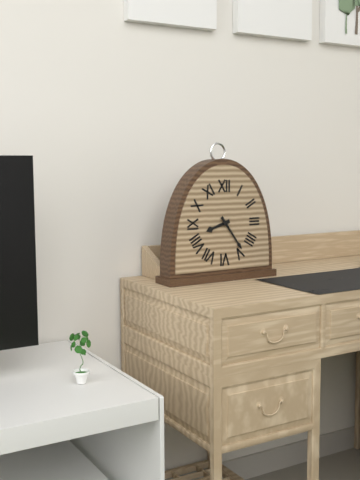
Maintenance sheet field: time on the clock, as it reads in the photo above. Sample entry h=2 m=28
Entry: h=8 m=24
